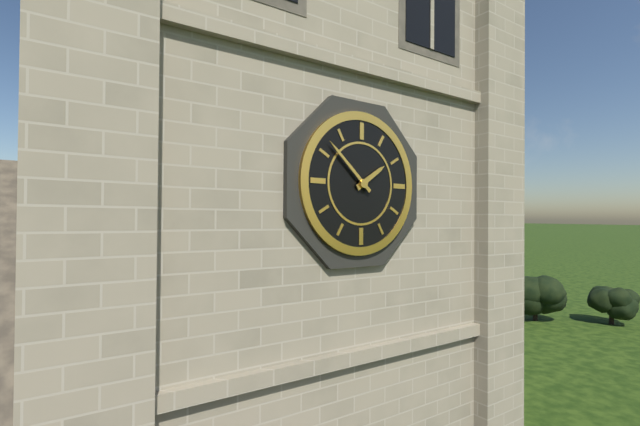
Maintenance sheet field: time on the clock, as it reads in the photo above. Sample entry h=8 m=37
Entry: h=1 m=52
